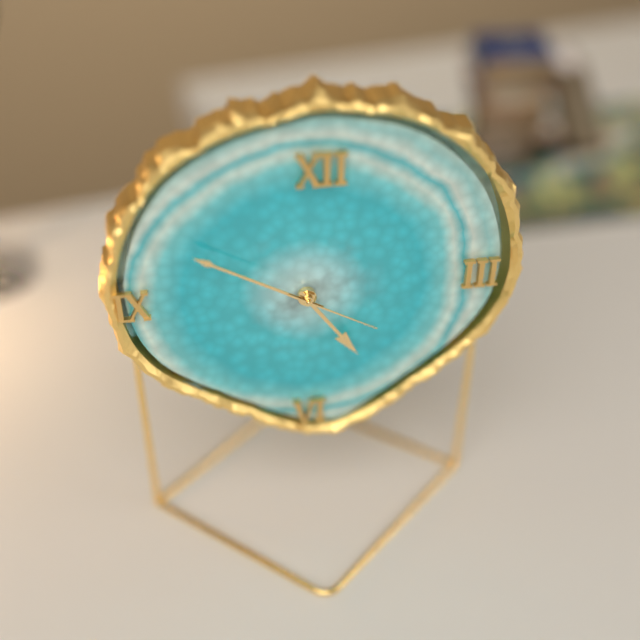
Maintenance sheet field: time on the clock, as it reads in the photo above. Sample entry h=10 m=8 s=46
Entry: h=4 m=50 s=20
